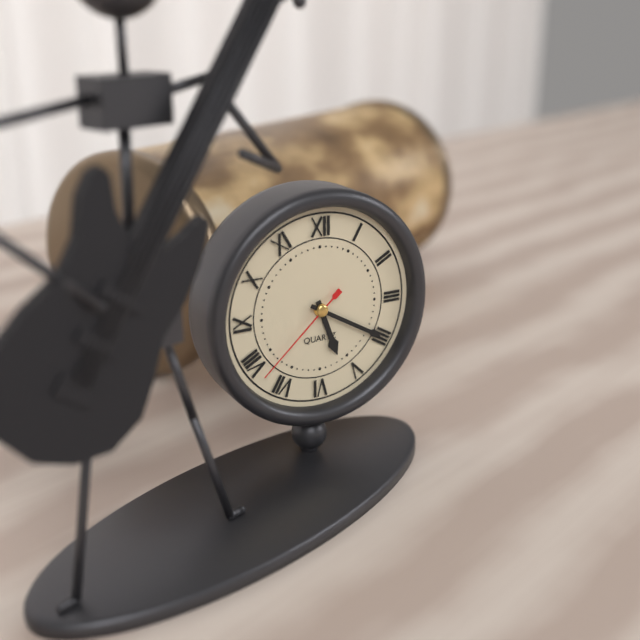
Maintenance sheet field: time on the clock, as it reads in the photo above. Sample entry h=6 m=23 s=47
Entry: h=5 m=20 s=38
